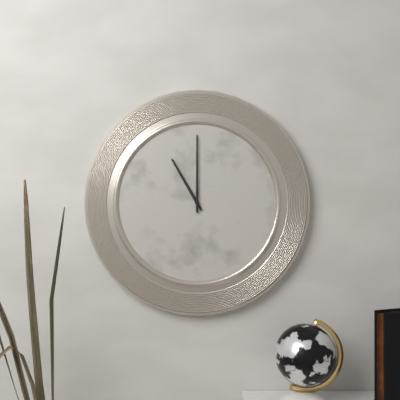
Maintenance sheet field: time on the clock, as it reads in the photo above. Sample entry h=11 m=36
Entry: h=11 m=0
